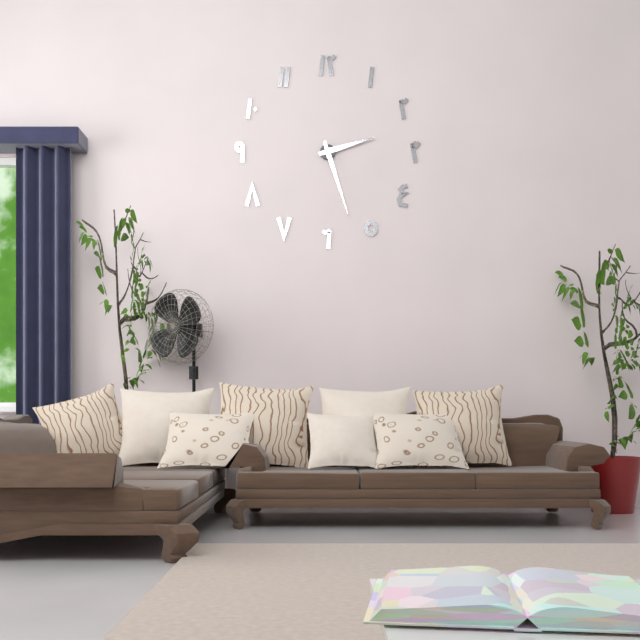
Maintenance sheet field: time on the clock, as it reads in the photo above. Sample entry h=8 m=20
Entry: h=2 m=27
